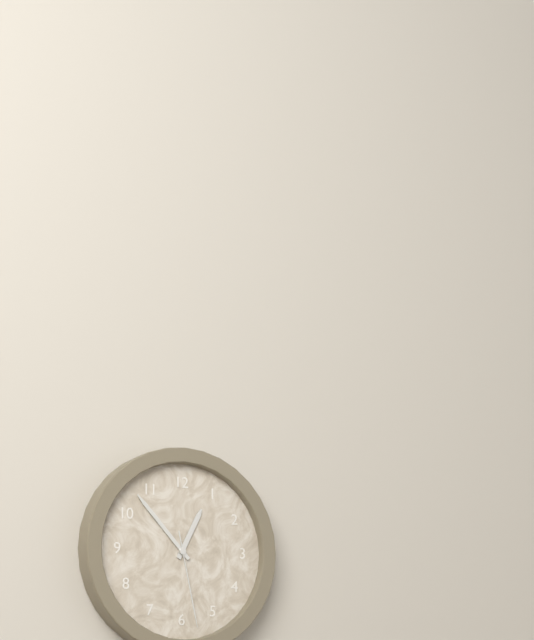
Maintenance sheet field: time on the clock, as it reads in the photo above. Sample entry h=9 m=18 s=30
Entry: h=12 m=53 s=28
